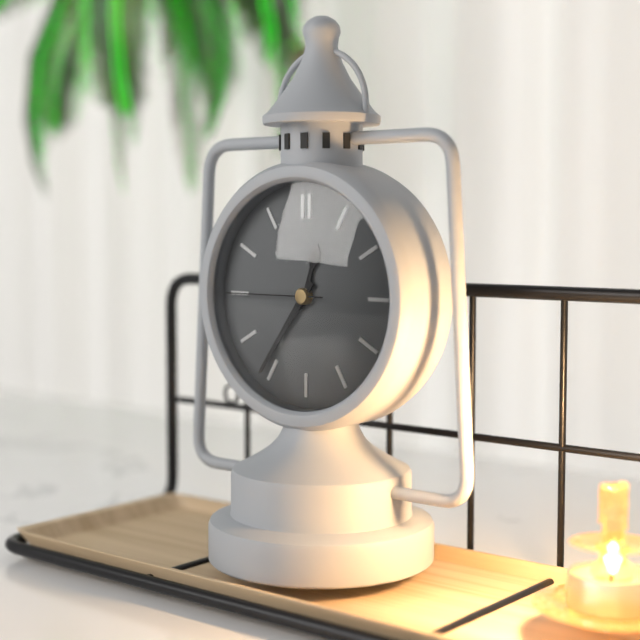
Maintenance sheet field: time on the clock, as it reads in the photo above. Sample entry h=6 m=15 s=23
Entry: h=12 m=36 s=45
